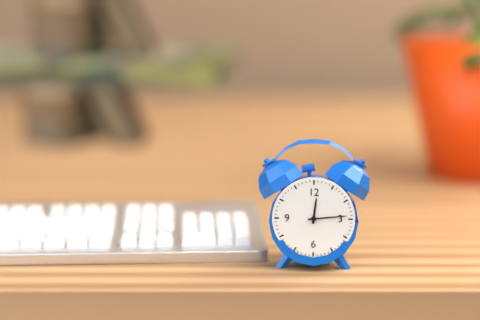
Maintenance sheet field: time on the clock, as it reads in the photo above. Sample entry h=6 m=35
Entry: h=12 m=14
